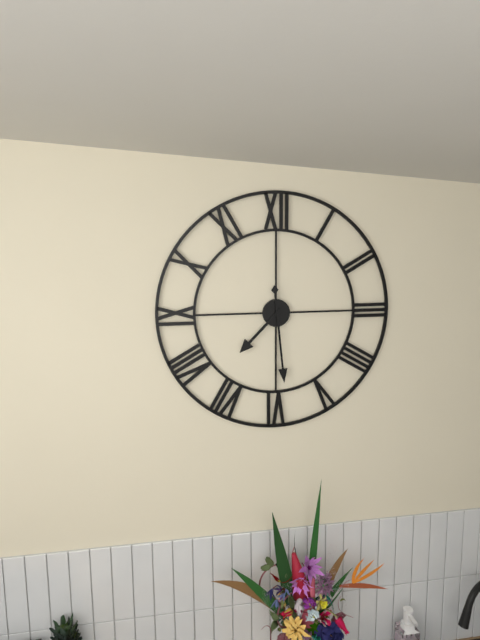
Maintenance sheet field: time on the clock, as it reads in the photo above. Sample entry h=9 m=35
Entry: h=7 m=29
